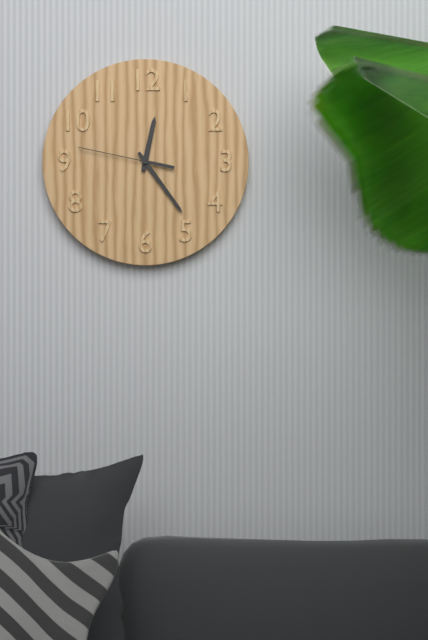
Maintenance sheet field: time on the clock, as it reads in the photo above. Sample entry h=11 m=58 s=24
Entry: h=12 m=24 s=47
